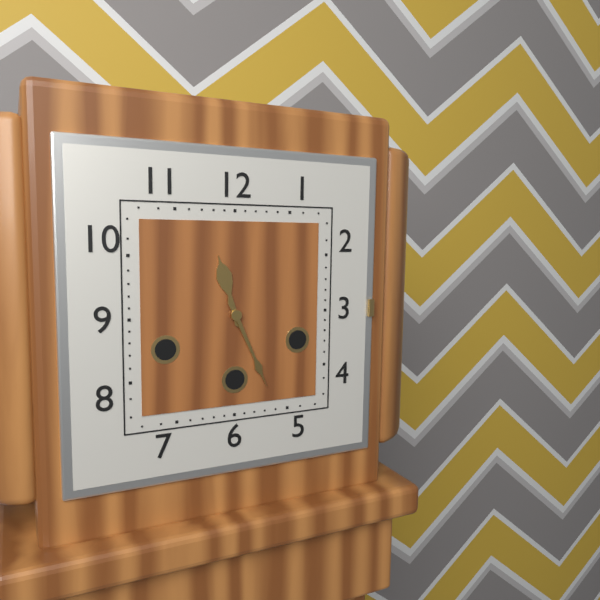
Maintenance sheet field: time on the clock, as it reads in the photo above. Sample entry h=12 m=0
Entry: h=11 m=26
